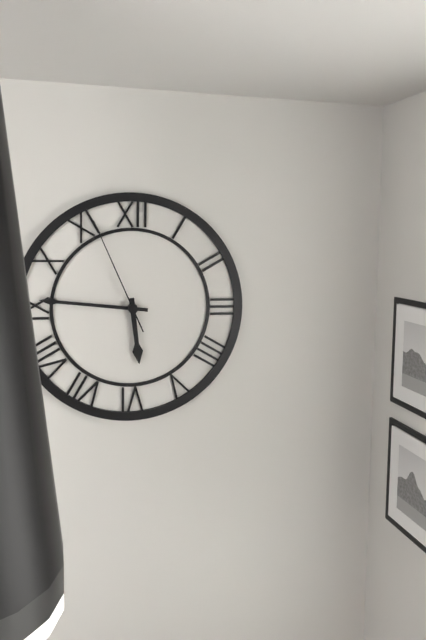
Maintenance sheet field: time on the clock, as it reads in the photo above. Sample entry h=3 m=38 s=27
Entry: h=5 m=46 s=56
